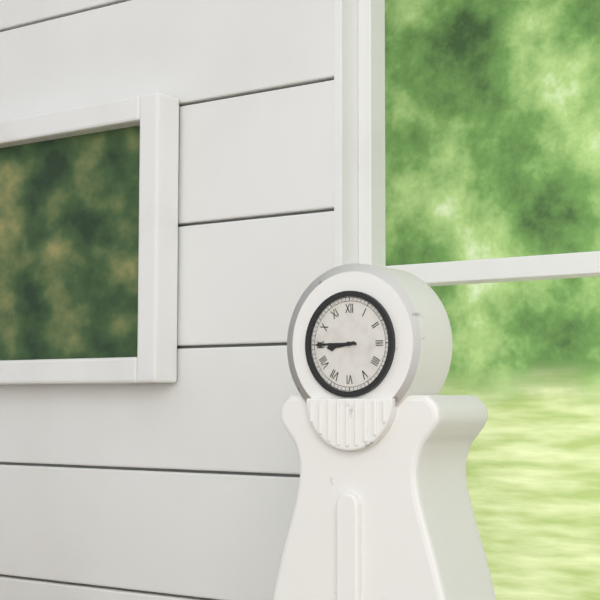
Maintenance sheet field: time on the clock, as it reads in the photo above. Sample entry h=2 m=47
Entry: h=8 m=45
